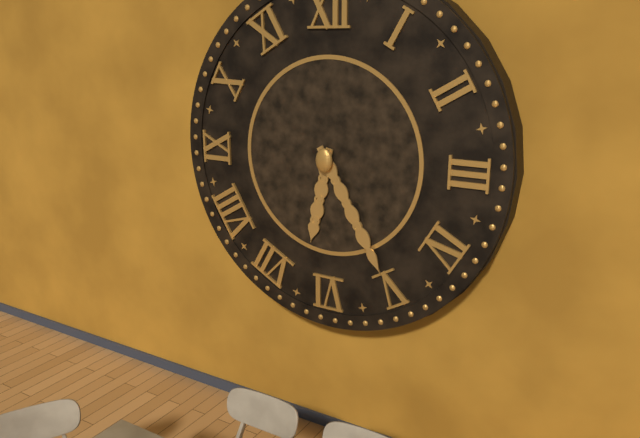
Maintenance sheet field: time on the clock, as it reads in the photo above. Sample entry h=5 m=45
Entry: h=6 m=25
